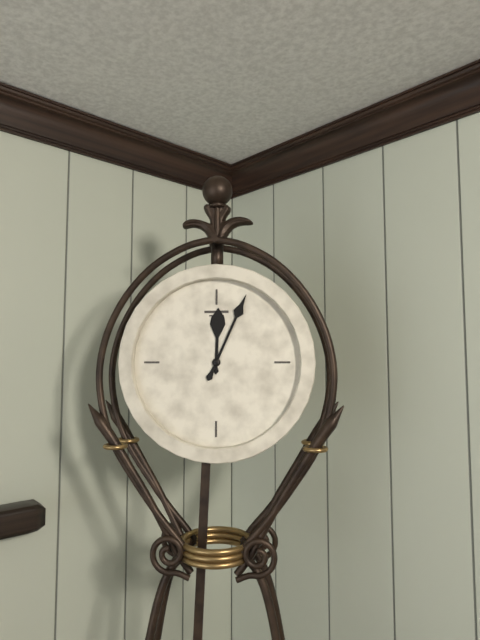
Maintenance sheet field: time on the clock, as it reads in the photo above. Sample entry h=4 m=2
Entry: h=12 m=4
